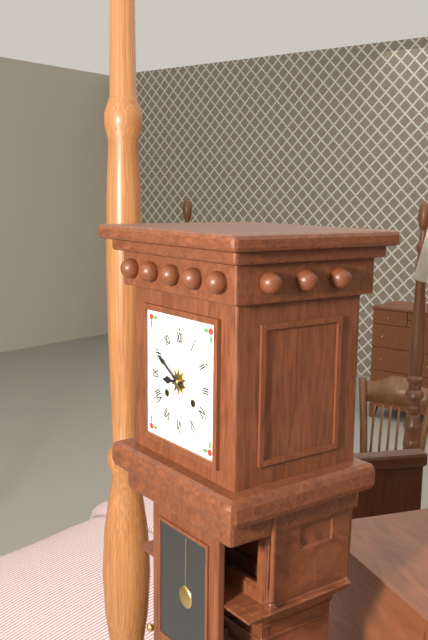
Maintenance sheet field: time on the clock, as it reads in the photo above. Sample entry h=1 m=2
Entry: h=8 m=50
